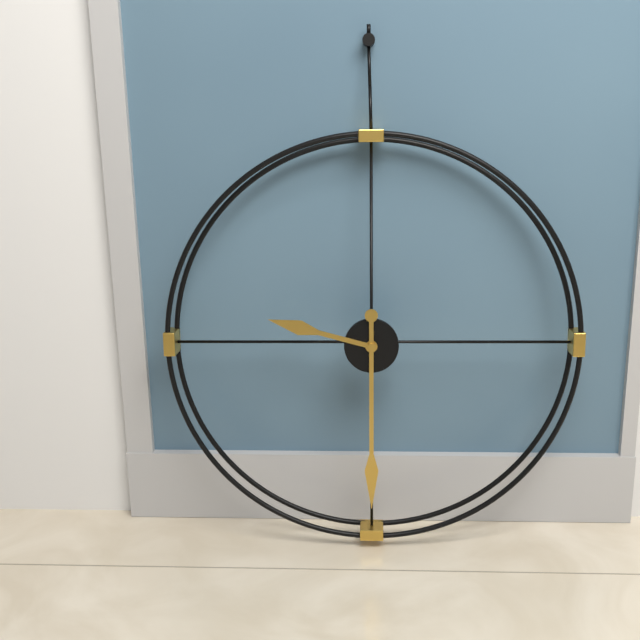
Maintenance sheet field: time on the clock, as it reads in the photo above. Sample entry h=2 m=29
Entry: h=9 m=30
